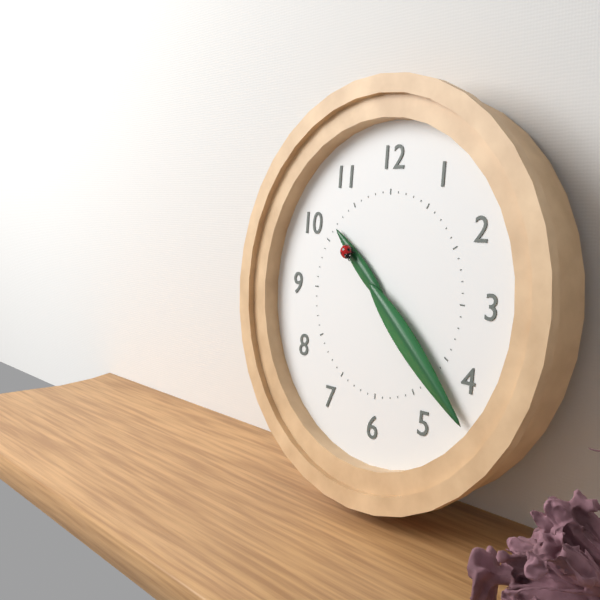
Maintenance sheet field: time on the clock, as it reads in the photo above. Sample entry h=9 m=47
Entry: h=10 m=22
